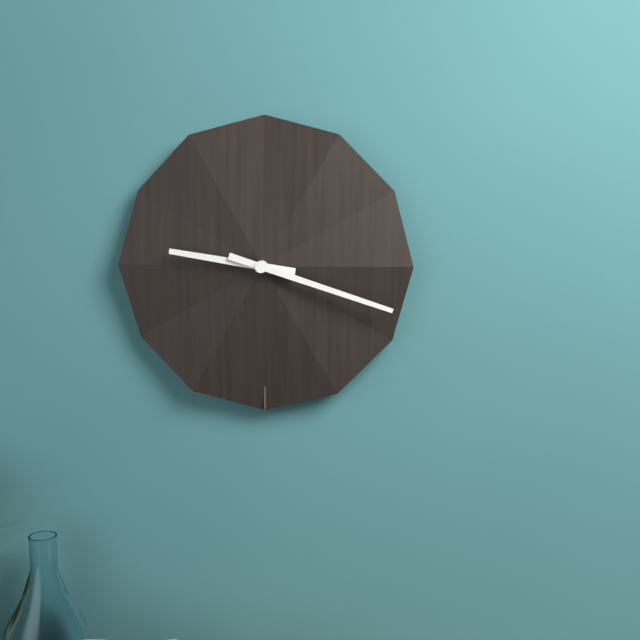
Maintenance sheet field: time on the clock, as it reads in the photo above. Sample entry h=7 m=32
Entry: h=9 m=18
